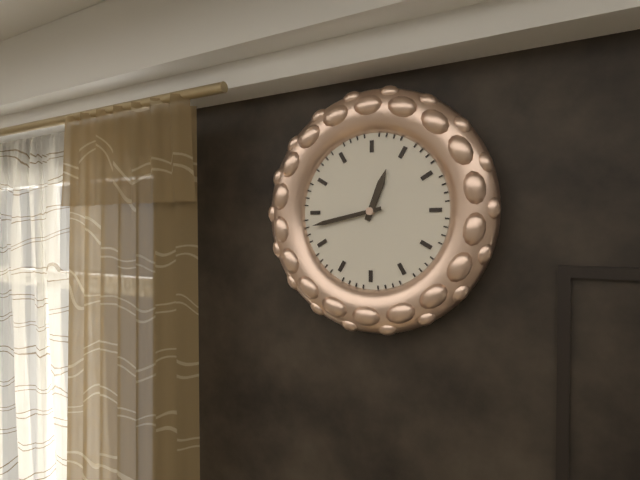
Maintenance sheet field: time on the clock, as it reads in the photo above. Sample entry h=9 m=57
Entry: h=12 m=43
